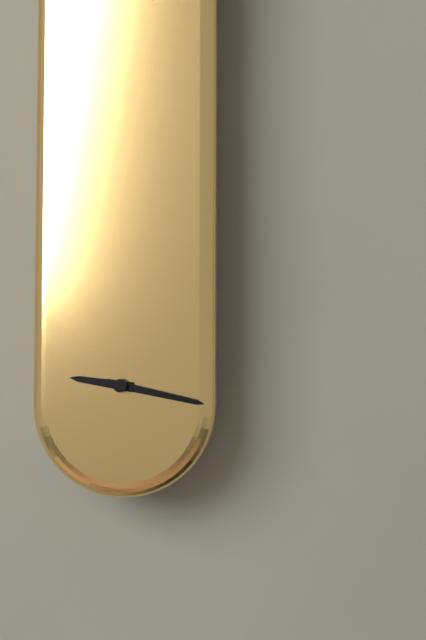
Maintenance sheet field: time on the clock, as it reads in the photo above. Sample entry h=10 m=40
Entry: h=9 m=17
